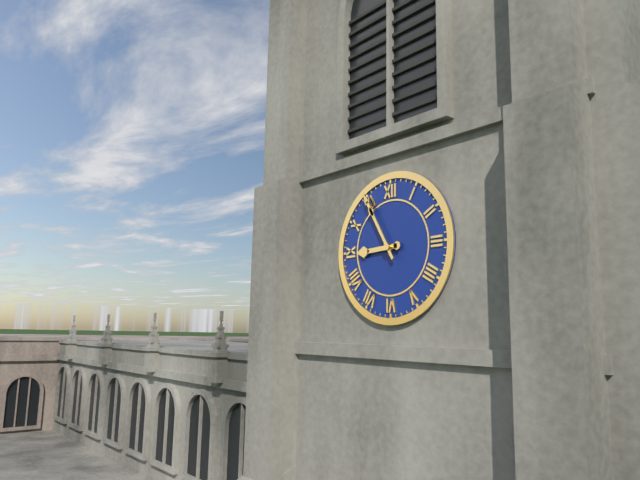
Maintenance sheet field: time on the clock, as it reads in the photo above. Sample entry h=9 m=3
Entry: h=8 m=55
